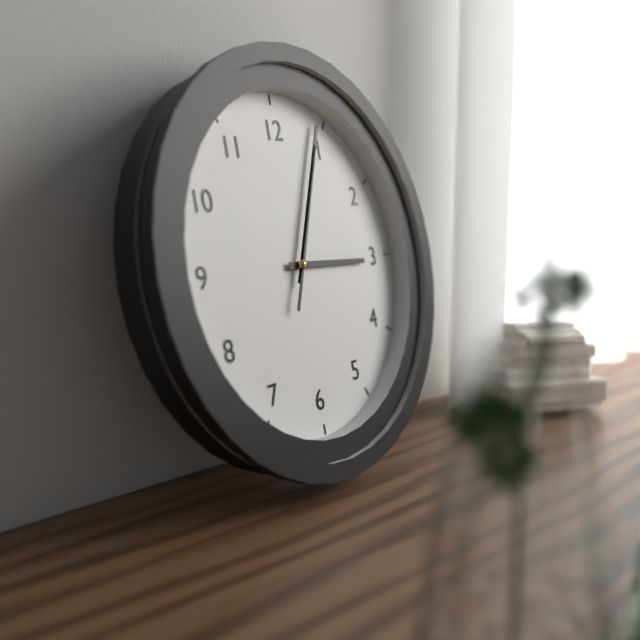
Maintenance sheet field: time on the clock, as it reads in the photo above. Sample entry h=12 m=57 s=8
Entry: h=3 m=4 s=4
